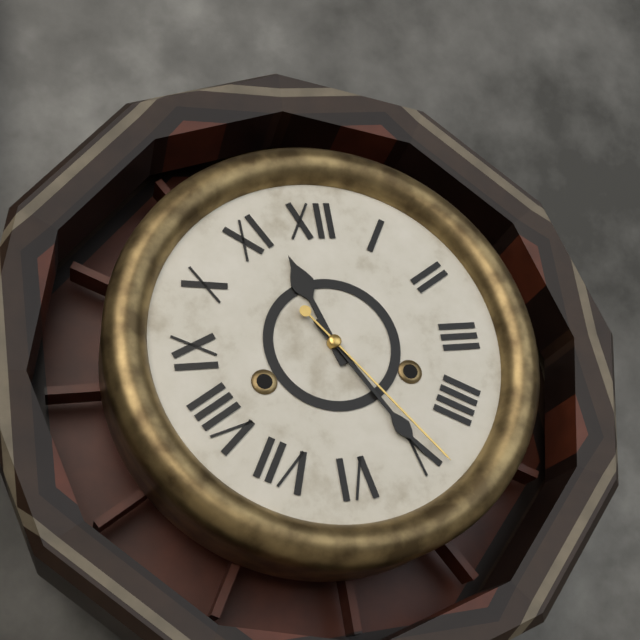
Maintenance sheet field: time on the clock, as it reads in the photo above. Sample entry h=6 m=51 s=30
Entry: h=11 m=25 s=24
